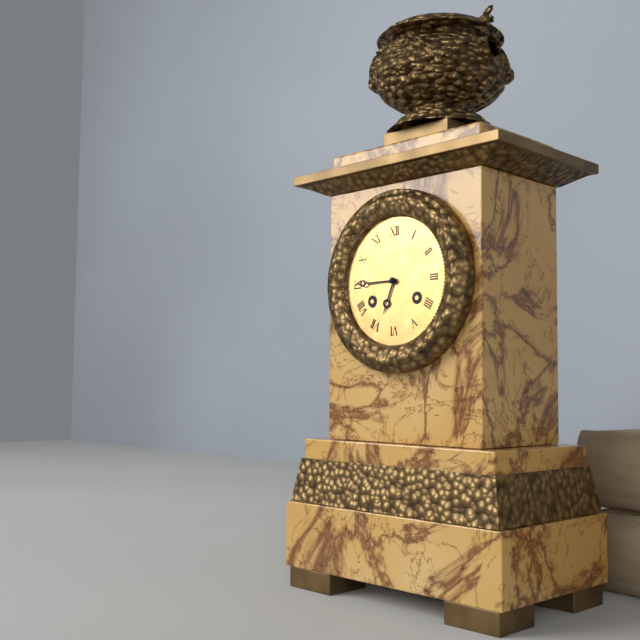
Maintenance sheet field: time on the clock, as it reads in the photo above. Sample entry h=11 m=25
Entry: h=6 m=45
